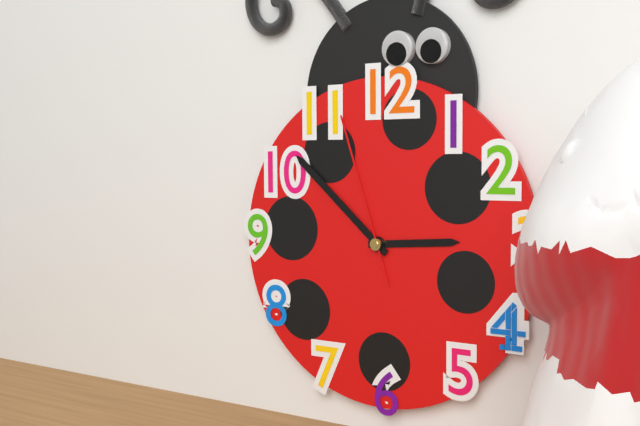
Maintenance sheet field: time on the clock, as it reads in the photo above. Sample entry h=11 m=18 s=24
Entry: h=2 m=52 s=57
